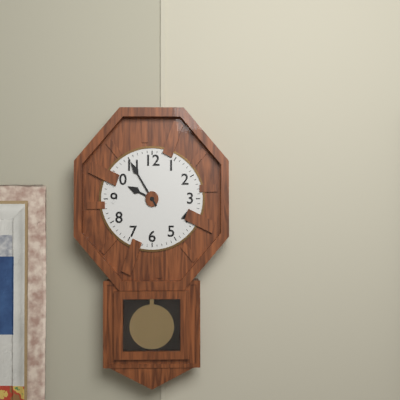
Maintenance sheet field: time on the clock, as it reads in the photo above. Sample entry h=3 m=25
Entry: h=9 m=55
